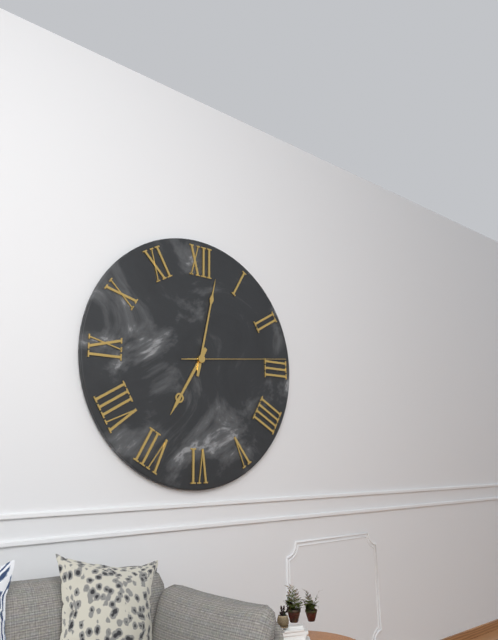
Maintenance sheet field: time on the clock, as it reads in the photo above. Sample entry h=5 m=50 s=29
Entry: h=7 m=2 s=14
